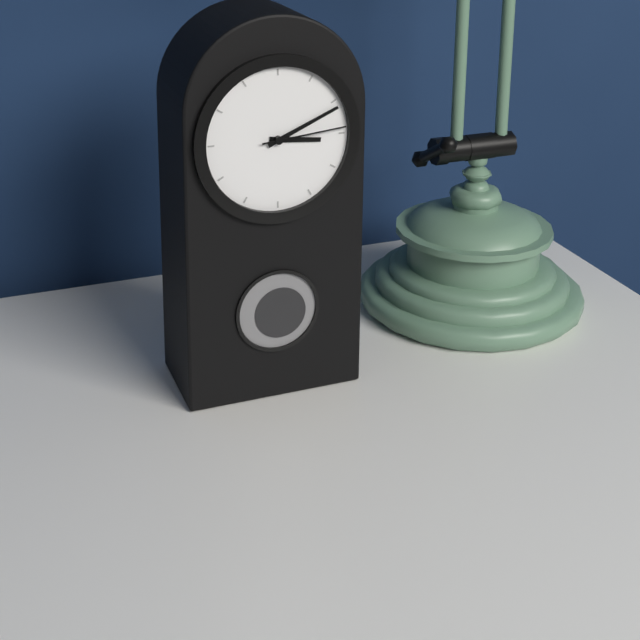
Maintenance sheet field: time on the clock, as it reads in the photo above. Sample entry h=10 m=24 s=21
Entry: h=3 m=11 s=14
